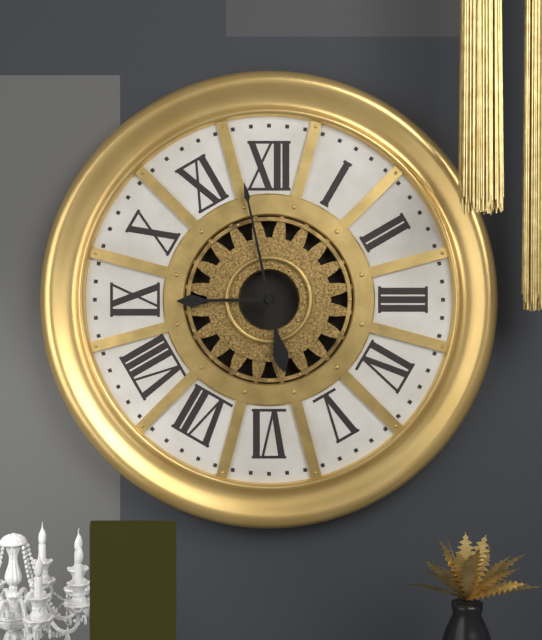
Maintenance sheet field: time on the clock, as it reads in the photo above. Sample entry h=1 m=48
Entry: h=8 m=58
